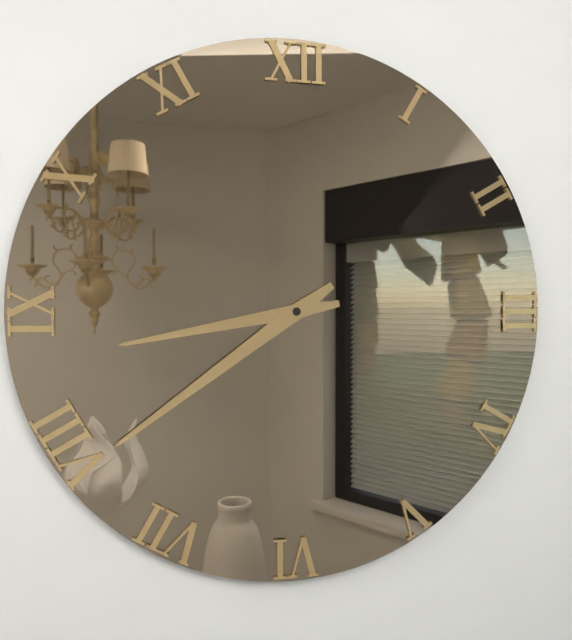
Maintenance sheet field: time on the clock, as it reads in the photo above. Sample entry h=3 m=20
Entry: h=8 m=39
